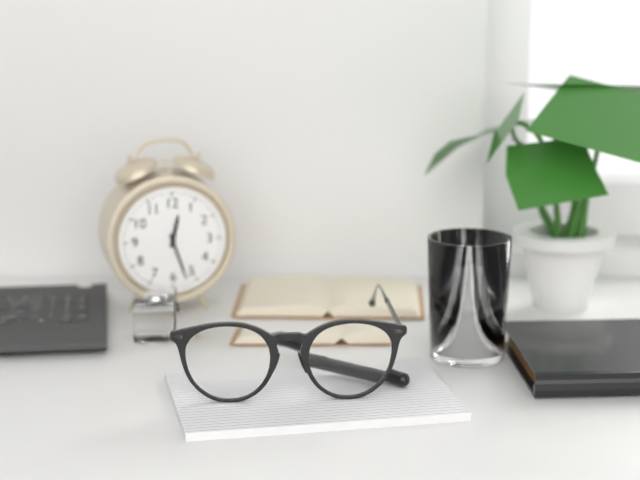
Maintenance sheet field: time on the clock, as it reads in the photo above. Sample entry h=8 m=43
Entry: h=12 m=27
